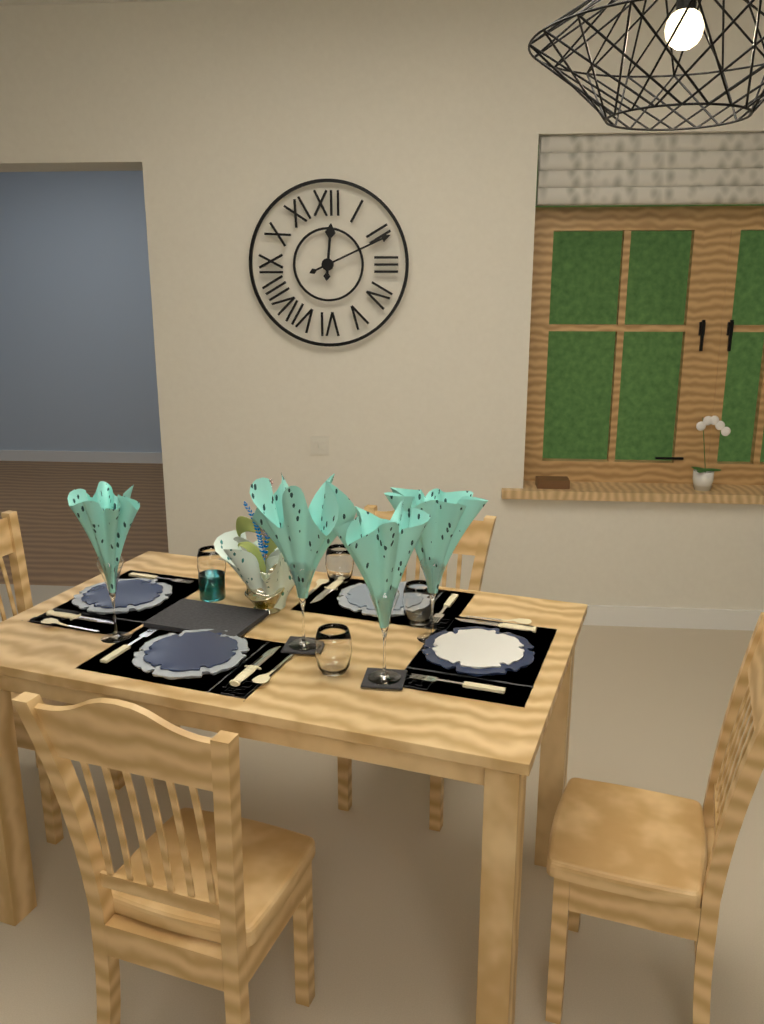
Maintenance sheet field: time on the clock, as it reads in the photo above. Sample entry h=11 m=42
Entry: h=12 m=11
